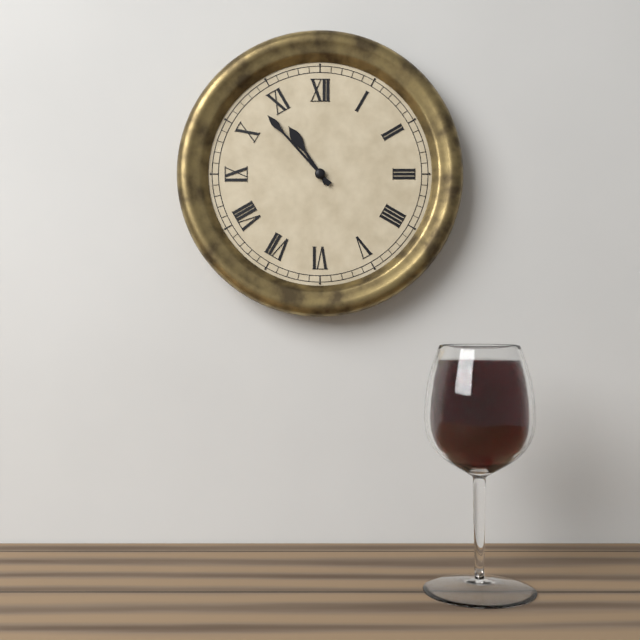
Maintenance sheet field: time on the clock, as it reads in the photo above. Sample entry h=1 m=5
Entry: h=10 m=53
